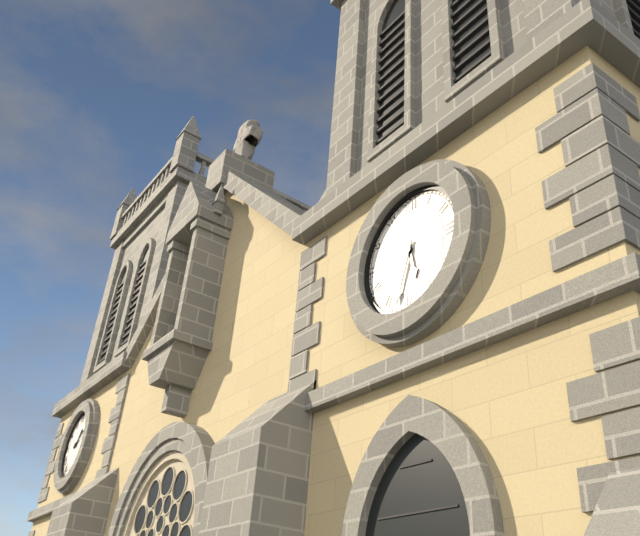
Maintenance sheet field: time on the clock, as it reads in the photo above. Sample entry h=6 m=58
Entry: h=5 m=33
